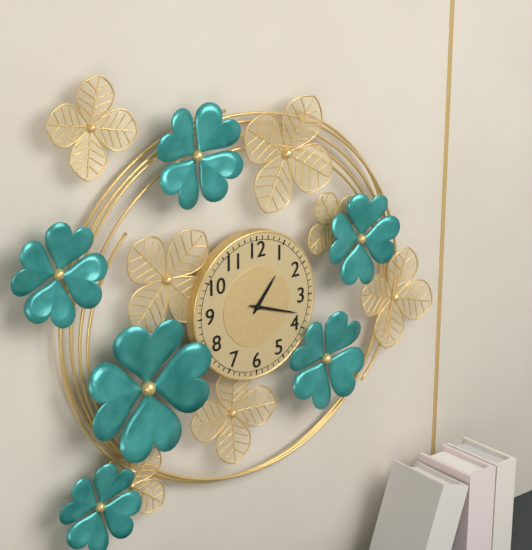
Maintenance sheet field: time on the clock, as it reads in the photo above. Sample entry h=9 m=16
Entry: h=1 m=18
